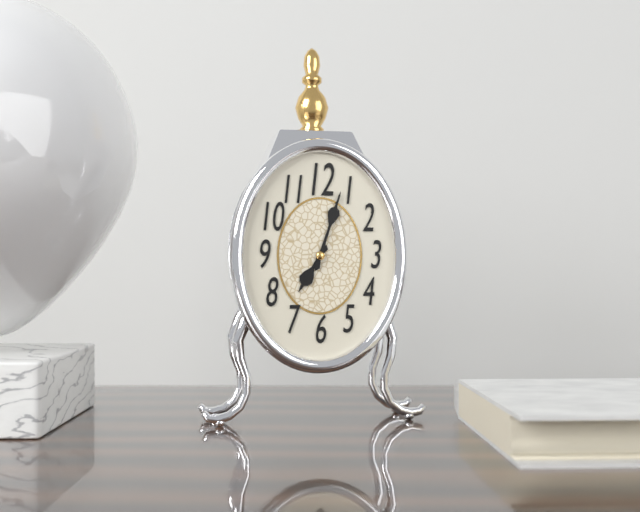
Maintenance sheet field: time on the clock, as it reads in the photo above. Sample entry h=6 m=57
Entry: h=7 m=3
